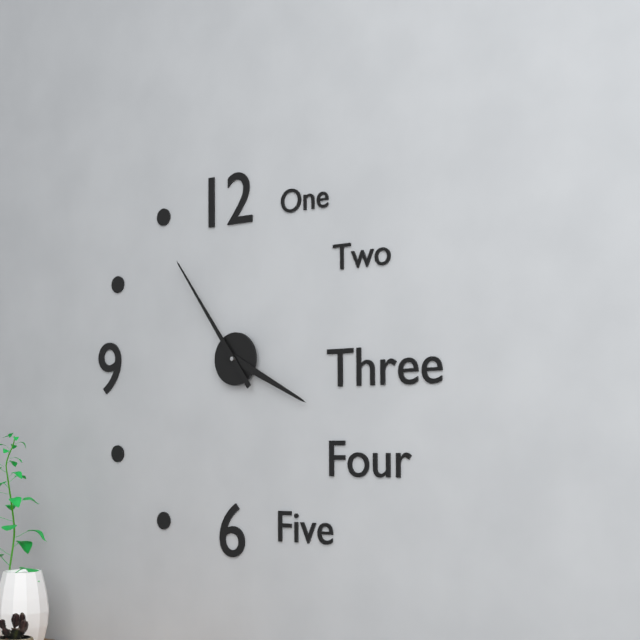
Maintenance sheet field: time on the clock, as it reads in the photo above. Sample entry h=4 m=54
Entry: h=3 m=54
